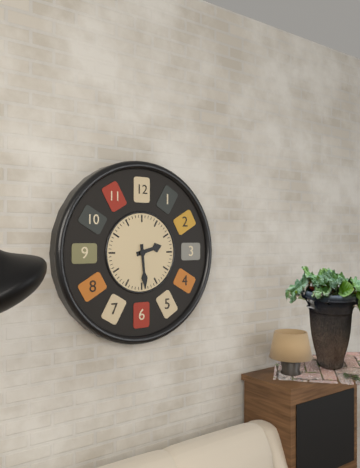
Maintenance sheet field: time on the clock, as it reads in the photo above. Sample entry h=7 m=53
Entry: h=2 m=29
